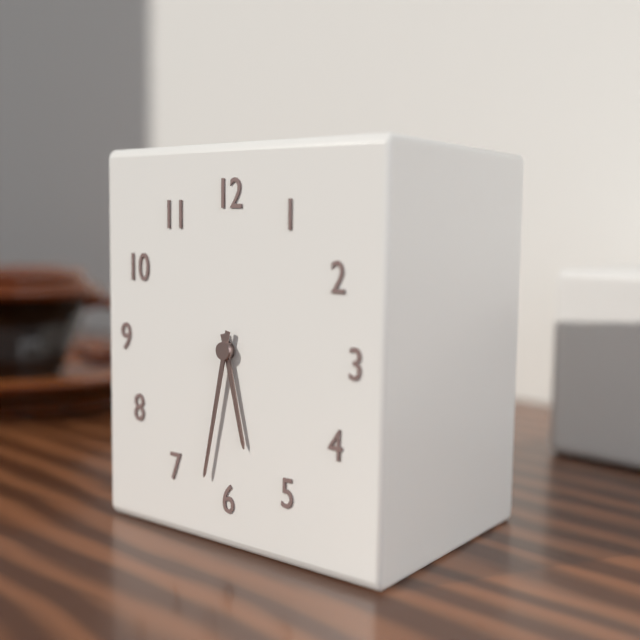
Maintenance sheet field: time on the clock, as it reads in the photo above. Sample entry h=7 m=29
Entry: h=5 m=32
